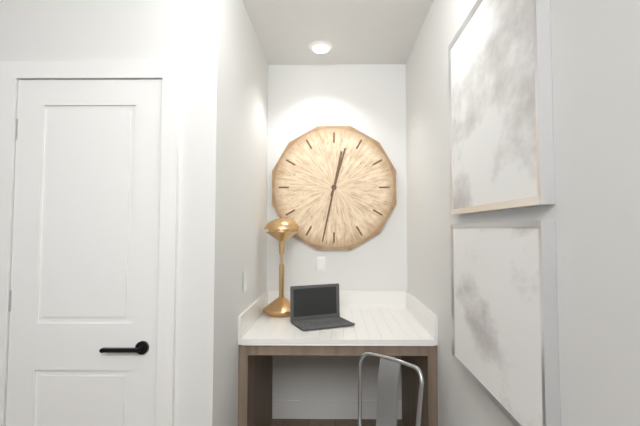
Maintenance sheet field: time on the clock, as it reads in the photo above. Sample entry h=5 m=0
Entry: h=12 m=32
